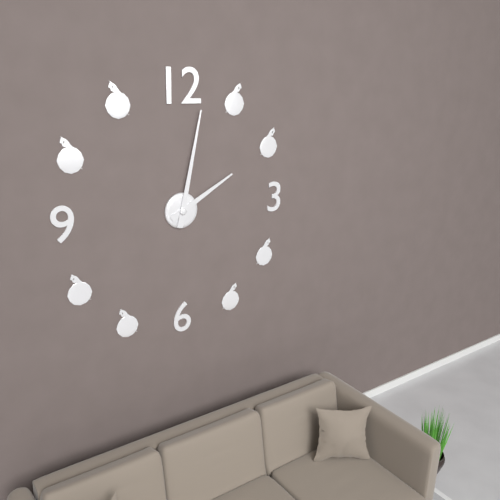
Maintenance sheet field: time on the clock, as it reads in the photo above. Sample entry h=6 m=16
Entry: h=2 m=2
